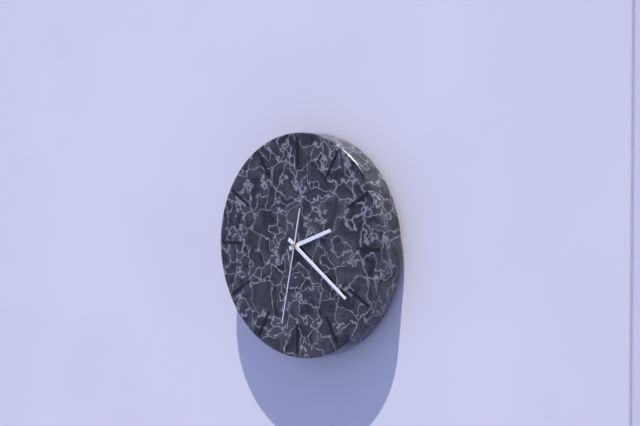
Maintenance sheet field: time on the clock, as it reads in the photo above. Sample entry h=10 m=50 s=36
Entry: h=2 m=21 s=32
